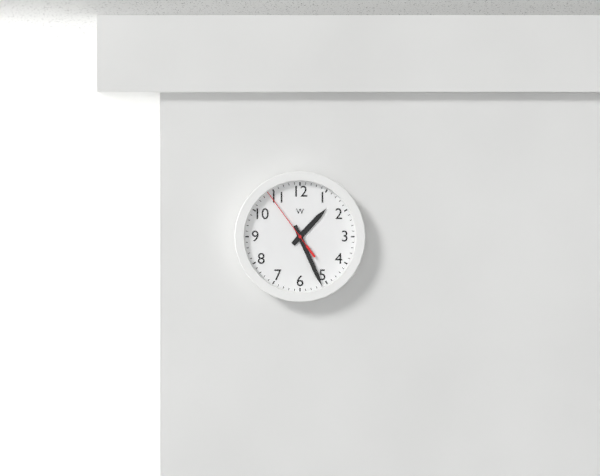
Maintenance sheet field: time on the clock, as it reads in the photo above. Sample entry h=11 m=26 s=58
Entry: h=1 m=26 s=54
